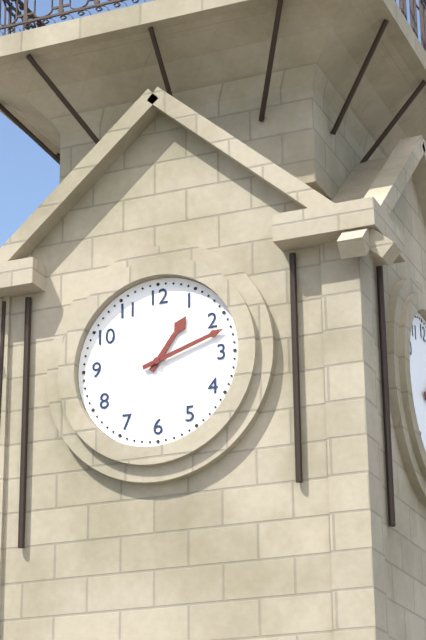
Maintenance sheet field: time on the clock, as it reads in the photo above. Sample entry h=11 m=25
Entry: h=1 m=12
